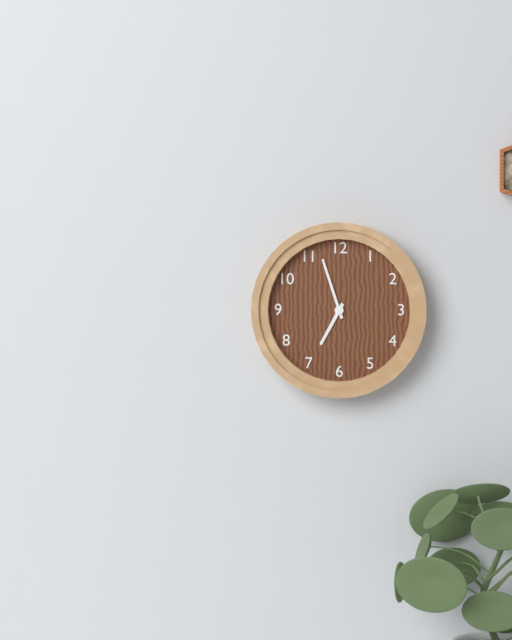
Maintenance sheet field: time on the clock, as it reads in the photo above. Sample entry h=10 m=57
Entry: h=6 m=57
